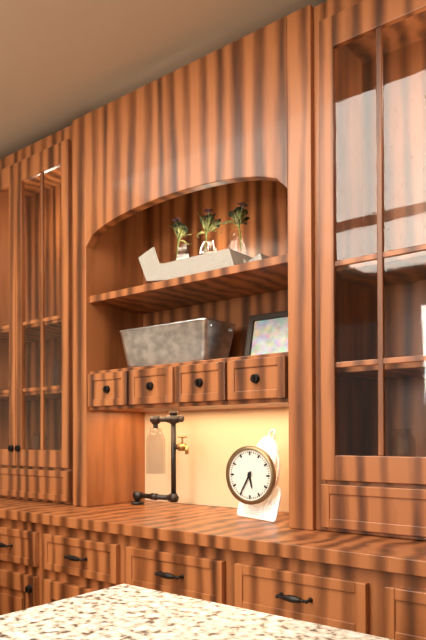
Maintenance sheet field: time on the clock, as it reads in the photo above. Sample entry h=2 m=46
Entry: h=5 m=35
